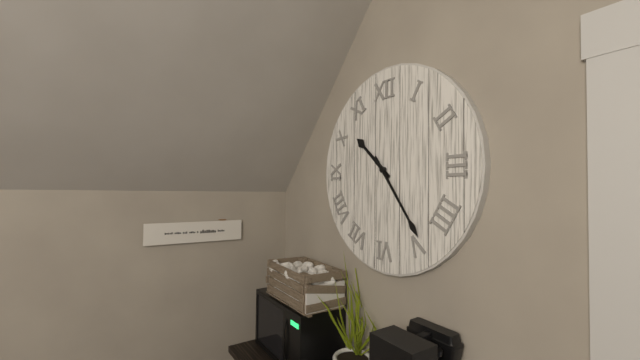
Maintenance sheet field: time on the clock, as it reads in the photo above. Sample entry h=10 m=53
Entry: h=10 m=24
